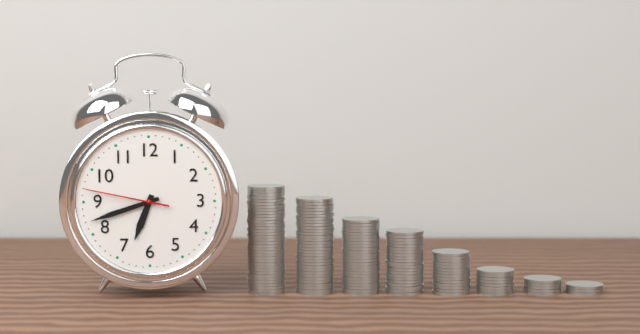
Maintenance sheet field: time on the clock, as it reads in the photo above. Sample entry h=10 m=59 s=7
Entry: h=6 m=42 s=47
